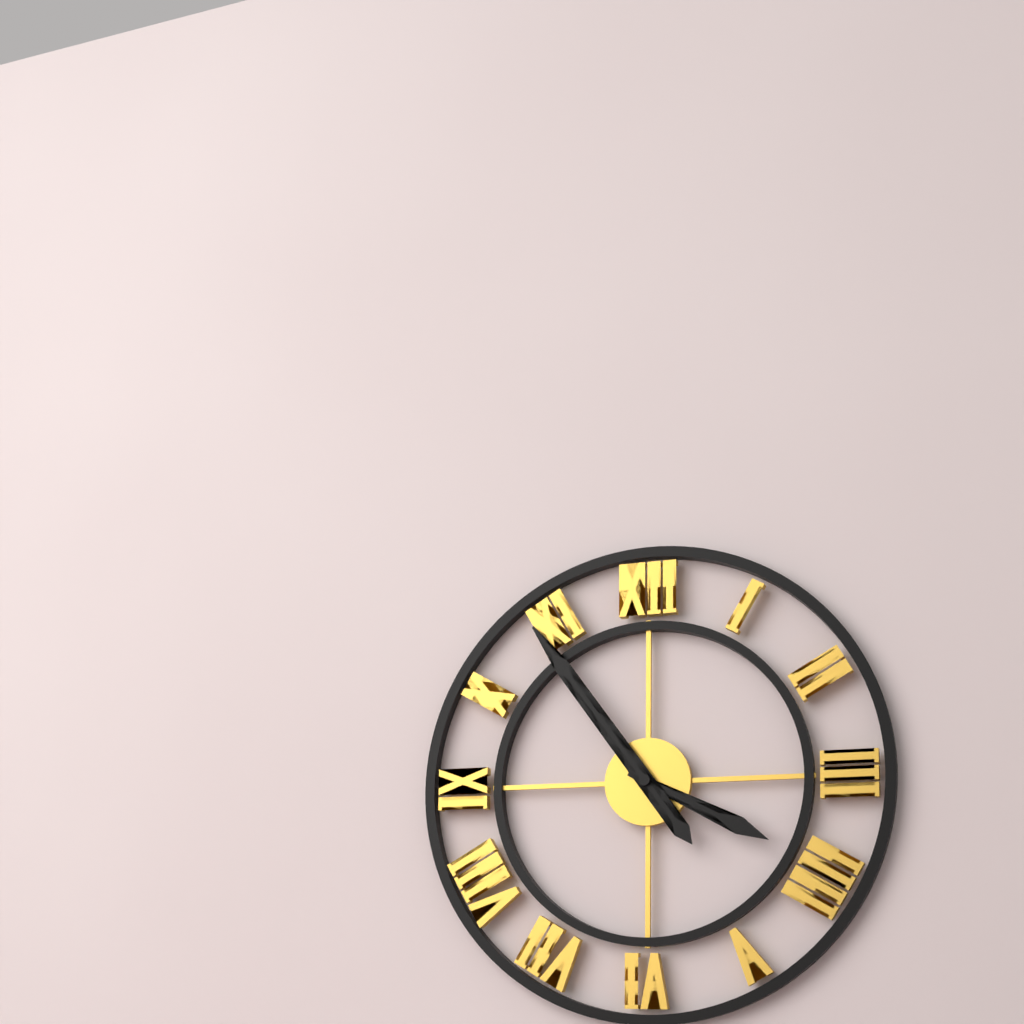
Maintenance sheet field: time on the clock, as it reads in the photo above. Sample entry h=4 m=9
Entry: h=3 m=54
